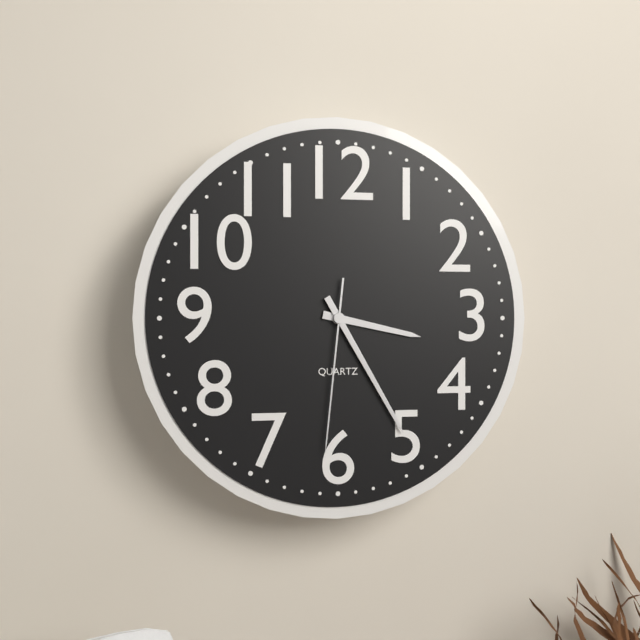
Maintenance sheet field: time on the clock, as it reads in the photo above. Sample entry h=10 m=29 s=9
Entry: h=3 m=25 s=31
